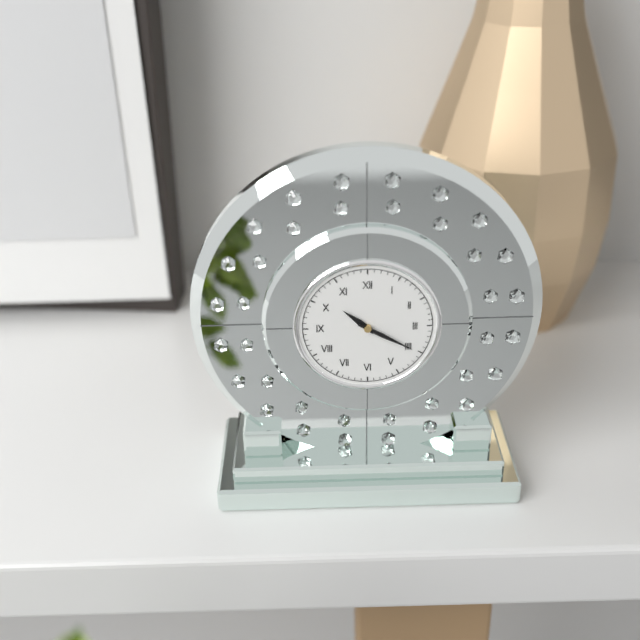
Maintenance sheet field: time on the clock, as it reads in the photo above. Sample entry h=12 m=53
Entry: h=10 m=20
